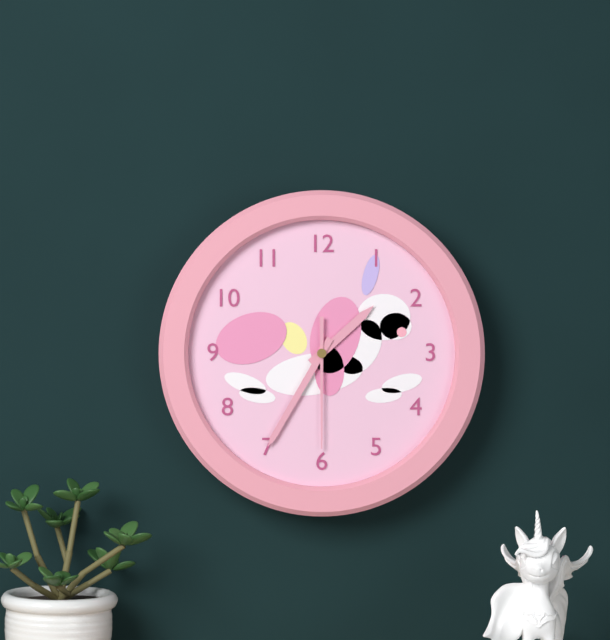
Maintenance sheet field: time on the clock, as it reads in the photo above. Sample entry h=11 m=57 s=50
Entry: h=1 m=35 s=30
